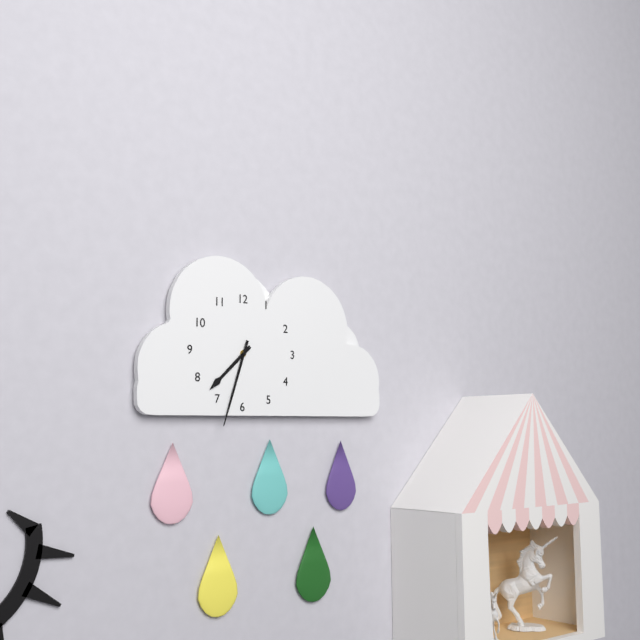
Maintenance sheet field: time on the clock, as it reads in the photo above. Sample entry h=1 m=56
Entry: h=7 m=33
